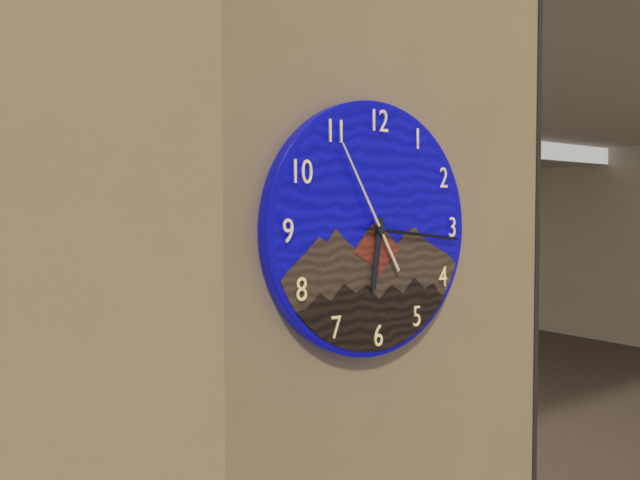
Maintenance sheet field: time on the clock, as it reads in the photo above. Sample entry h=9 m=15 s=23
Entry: h=6 m=16 s=55
